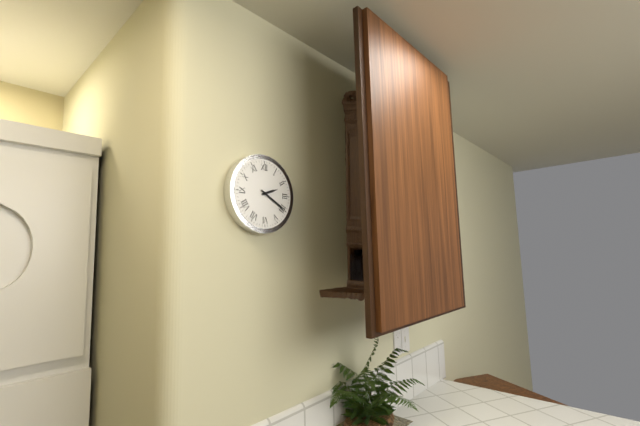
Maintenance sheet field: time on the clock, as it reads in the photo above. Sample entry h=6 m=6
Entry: h=2 m=20
